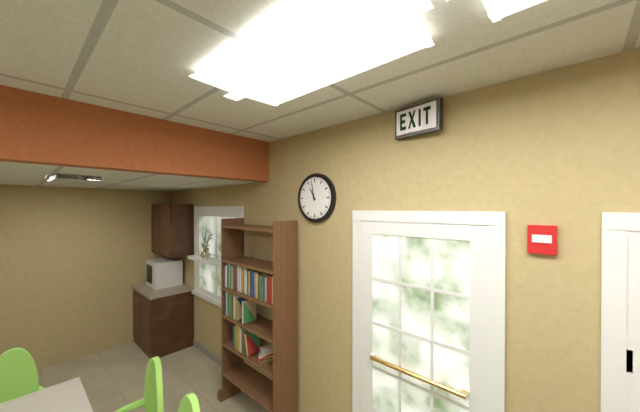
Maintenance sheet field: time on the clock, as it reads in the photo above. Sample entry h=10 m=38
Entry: h=10 m=58
